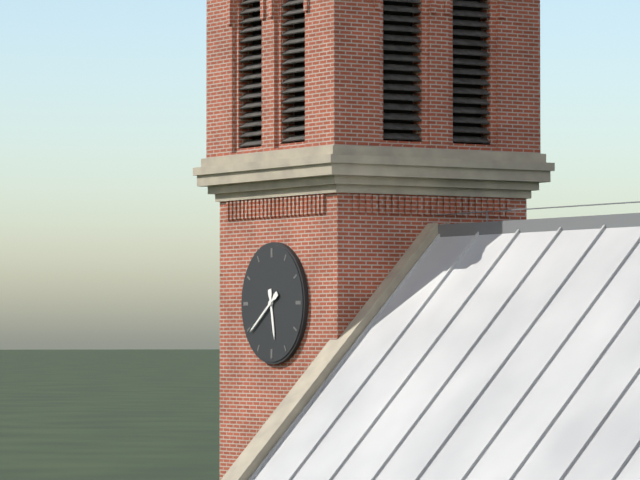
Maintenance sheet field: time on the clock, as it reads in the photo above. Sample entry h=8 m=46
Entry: h=5 m=39
